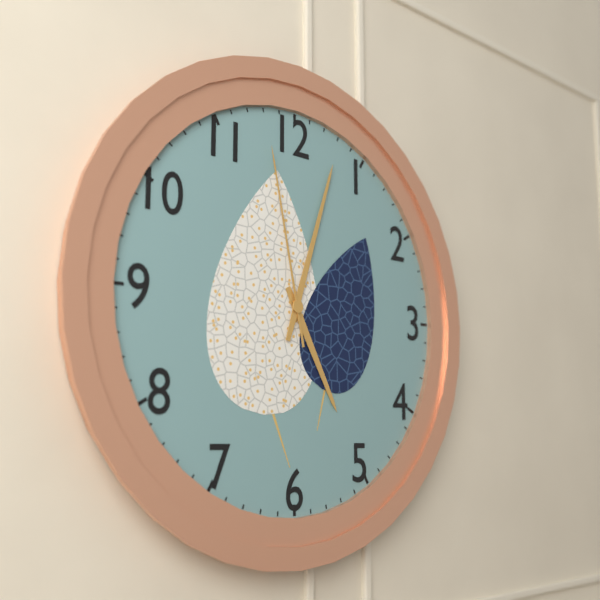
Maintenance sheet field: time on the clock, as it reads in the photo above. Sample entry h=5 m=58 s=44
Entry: h=5 m=3 s=58
